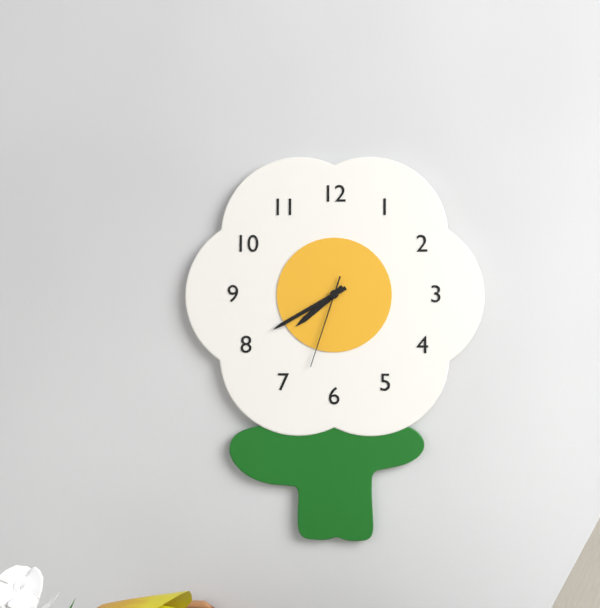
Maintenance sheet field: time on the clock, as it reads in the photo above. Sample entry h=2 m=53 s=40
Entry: h=7 m=40 s=33
